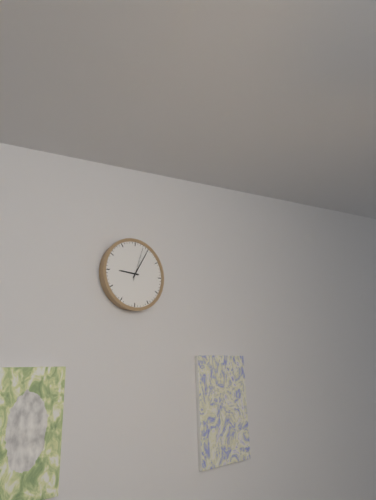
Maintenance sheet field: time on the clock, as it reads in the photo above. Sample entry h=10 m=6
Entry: h=9 m=5
